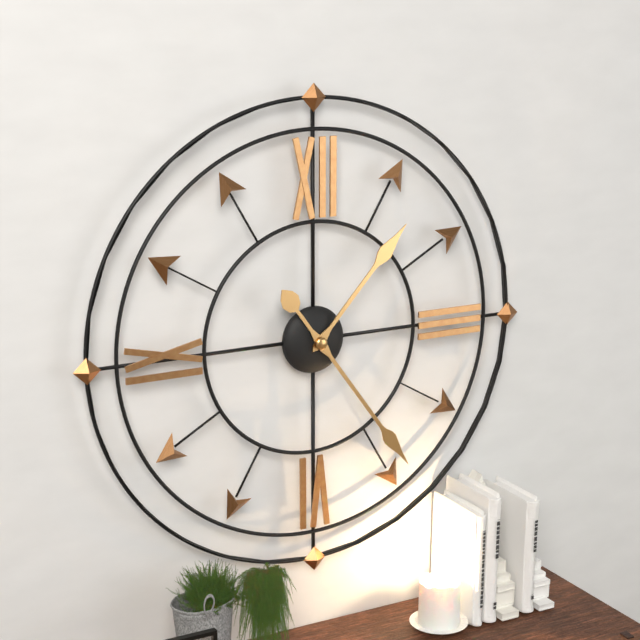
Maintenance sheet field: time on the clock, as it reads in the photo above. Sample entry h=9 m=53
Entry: h=1 m=24
